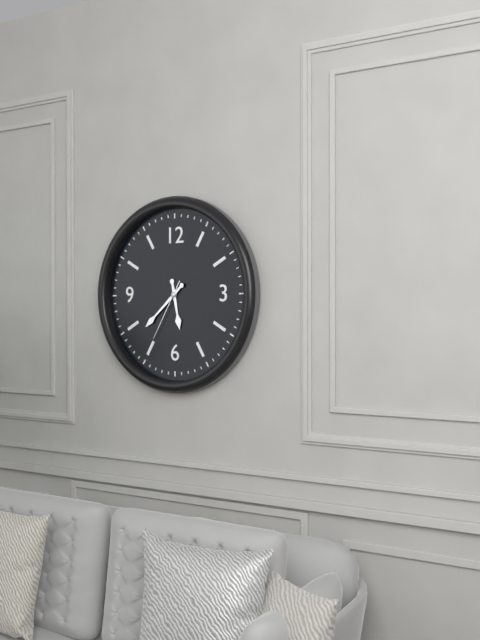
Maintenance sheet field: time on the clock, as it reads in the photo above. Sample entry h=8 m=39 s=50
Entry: h=5 m=38 s=35
